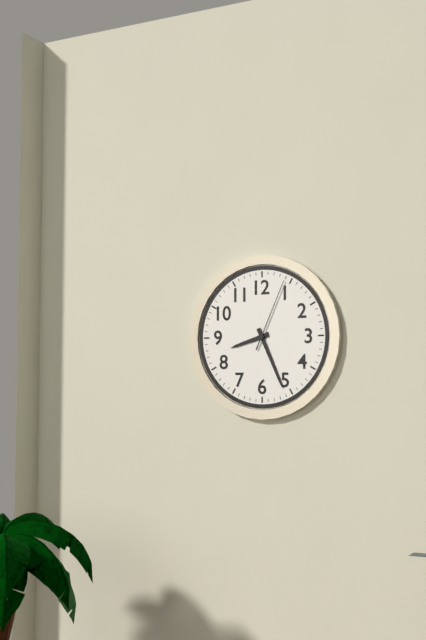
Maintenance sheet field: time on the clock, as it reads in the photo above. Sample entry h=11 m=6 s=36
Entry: h=8 m=26 s=4
